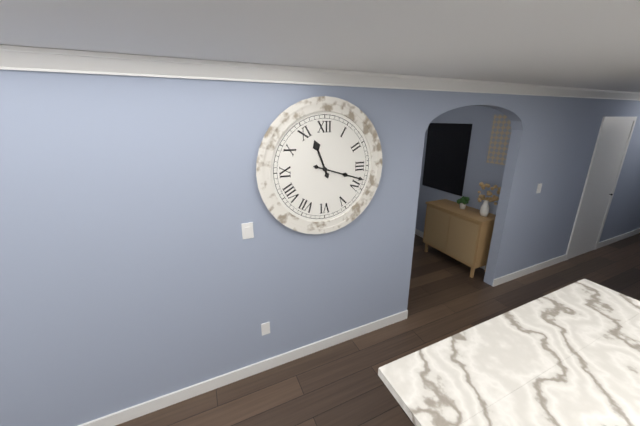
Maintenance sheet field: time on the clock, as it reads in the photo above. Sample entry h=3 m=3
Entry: h=11 m=18
